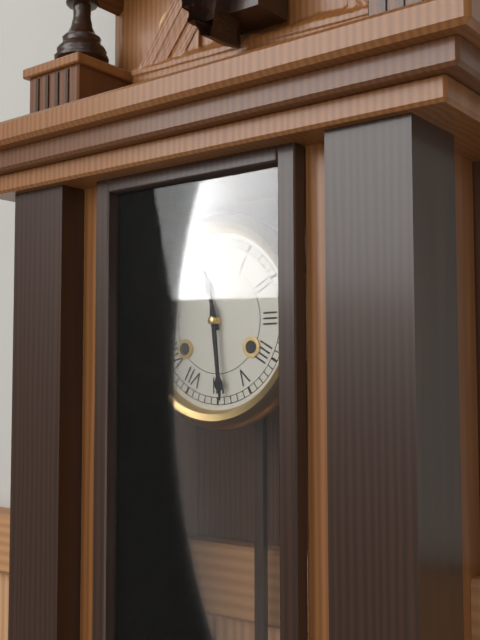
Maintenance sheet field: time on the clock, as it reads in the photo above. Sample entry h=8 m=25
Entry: h=11 m=29
